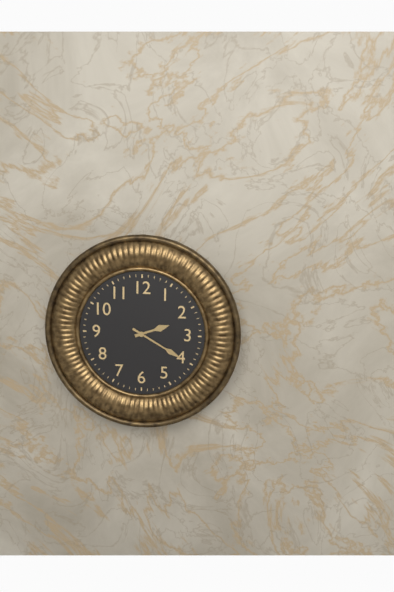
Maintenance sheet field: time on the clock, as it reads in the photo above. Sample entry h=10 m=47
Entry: h=2 m=20
